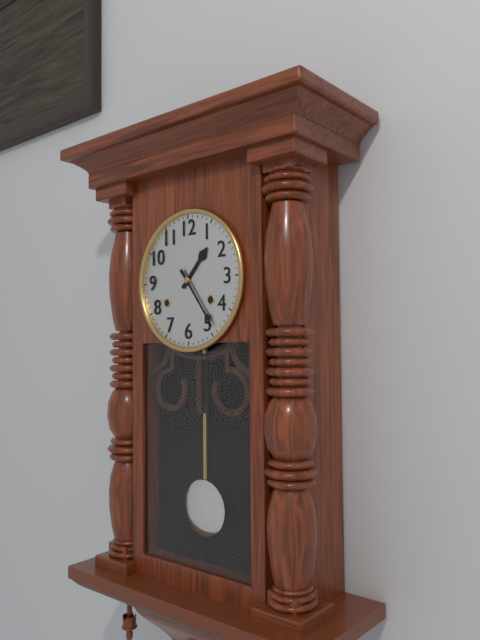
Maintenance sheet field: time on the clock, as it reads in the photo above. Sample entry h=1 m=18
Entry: h=1 m=24
